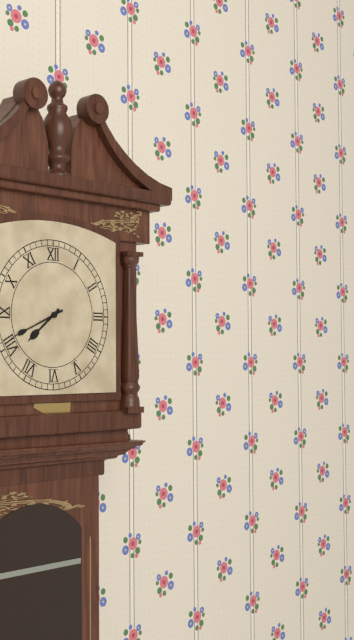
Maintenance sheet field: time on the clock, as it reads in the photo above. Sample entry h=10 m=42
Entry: h=7 m=41
